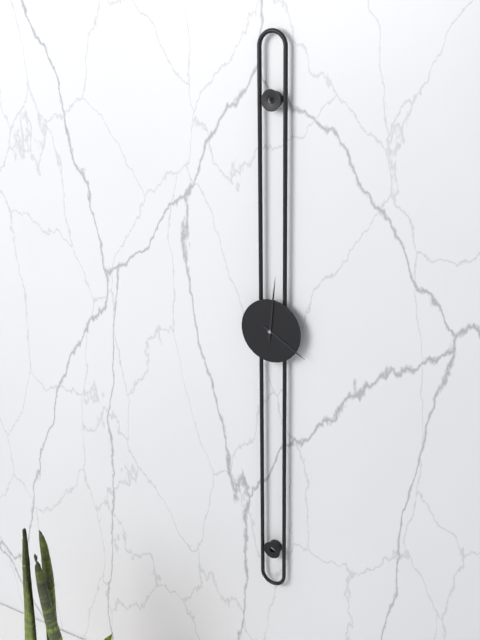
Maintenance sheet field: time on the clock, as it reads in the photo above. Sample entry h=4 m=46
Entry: h=4 m=1
